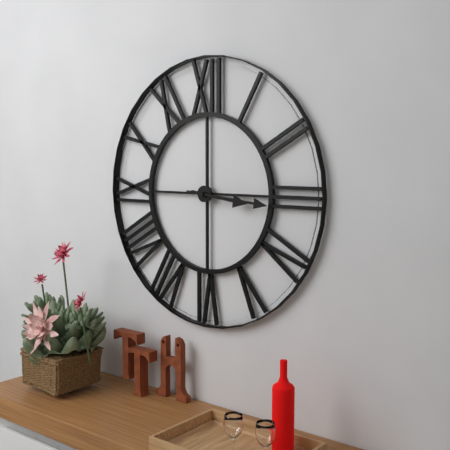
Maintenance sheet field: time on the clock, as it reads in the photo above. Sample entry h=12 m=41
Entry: h=3 m=16
